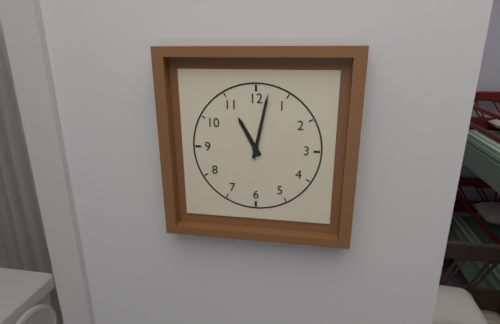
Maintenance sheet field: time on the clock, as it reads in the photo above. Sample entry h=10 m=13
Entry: h=11 m=2
